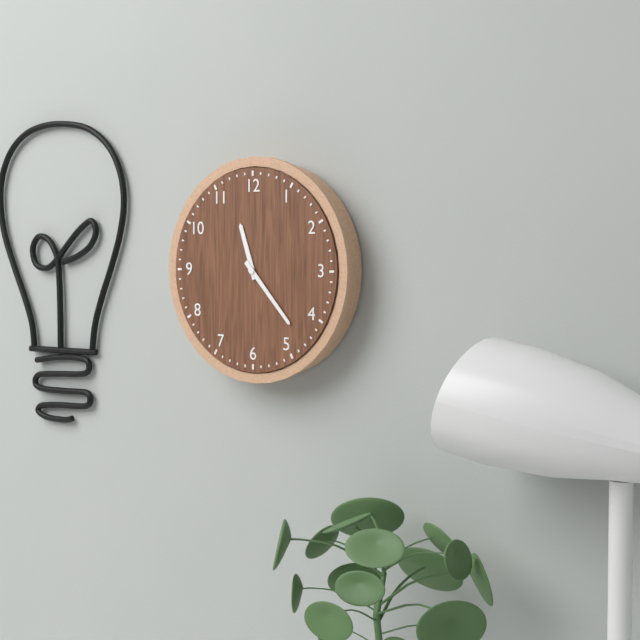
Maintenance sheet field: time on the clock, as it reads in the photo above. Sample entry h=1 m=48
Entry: h=11 m=23
